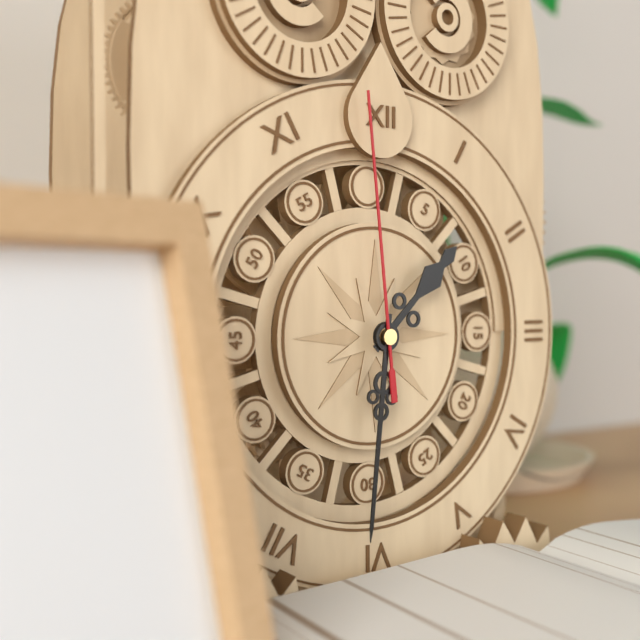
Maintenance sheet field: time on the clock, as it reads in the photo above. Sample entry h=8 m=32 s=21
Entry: h=1 m=31 s=59
